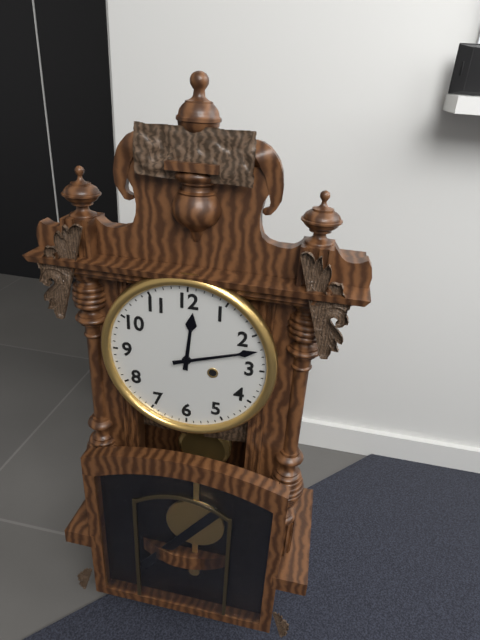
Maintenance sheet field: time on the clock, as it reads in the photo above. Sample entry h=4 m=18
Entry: h=12 m=12
